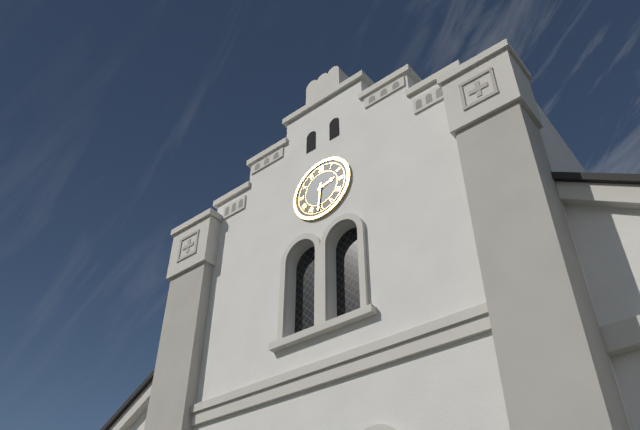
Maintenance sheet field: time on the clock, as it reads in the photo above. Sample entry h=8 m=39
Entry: h=2 m=31
